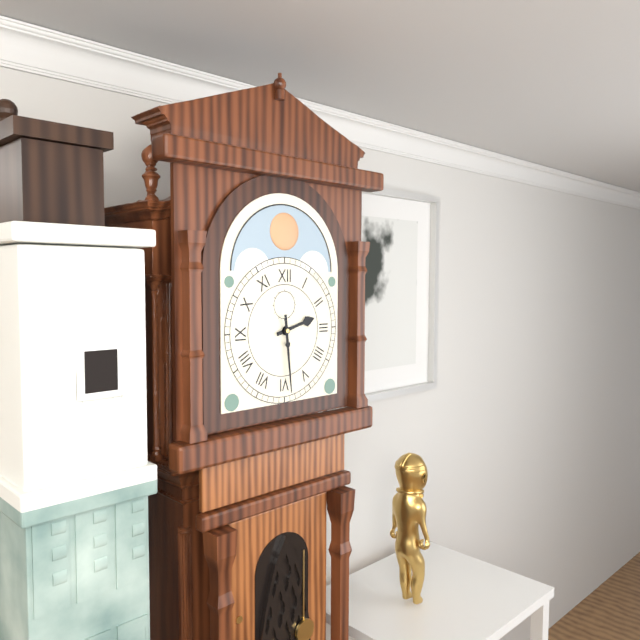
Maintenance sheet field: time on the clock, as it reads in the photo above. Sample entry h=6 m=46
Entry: h=2 m=29
